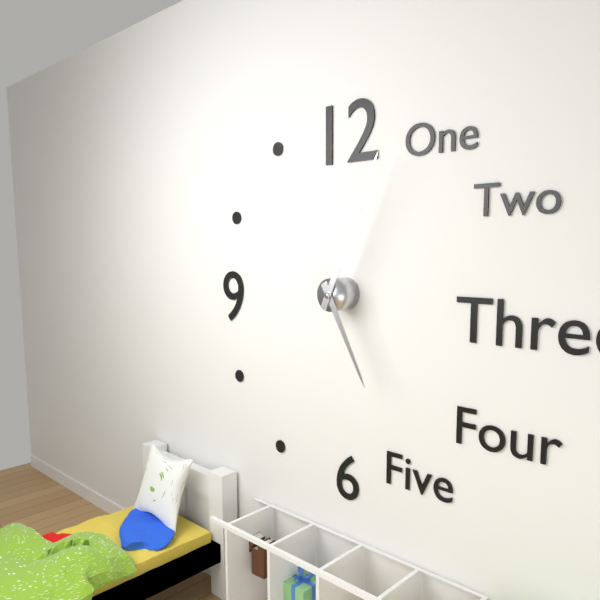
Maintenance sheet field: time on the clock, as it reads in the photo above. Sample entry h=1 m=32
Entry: h=5 m=4
